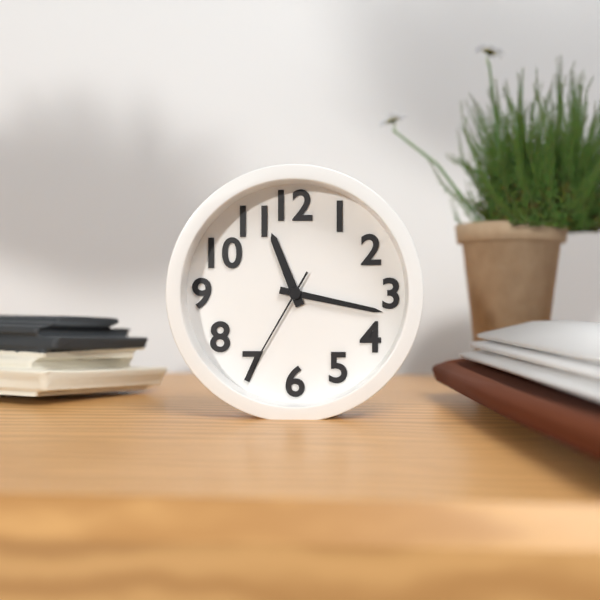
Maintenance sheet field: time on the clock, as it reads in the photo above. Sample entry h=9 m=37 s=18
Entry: h=11 m=17 s=35
